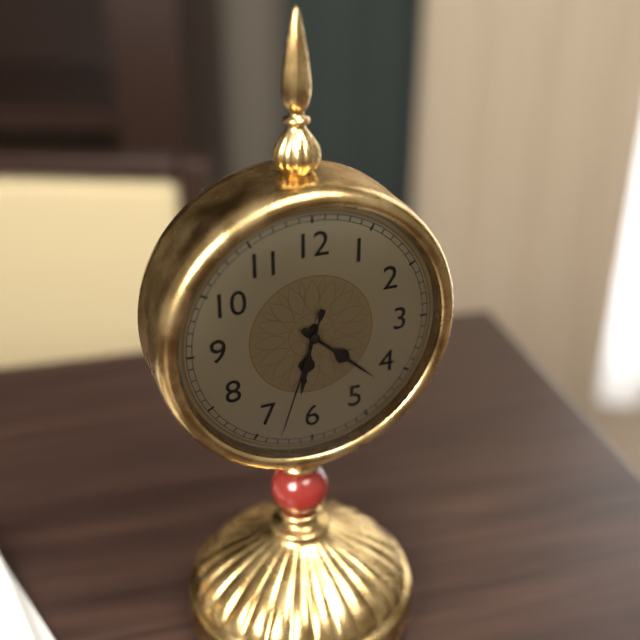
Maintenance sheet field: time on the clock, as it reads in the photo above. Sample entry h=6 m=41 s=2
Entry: h=6 m=22 s=33
